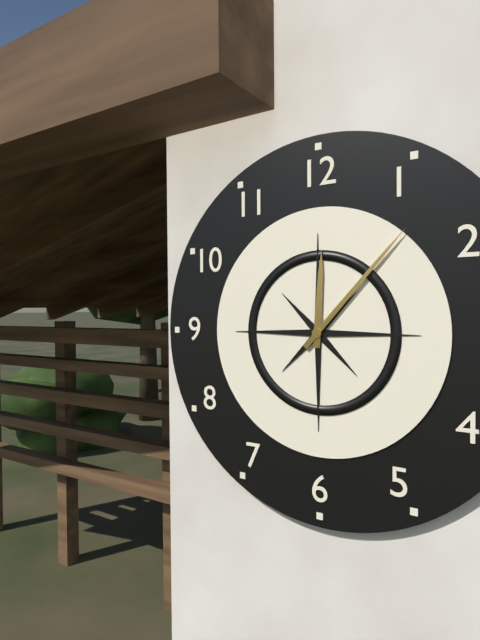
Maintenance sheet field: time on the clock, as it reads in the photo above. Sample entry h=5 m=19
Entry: h=12 m=7
